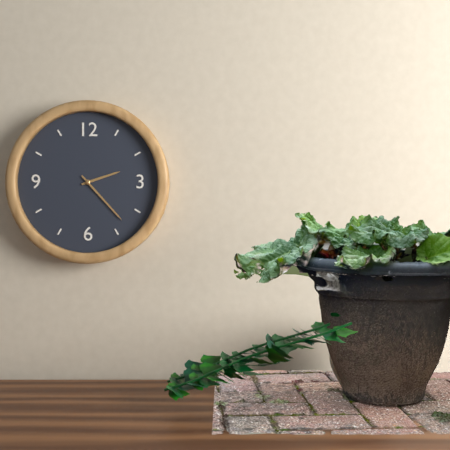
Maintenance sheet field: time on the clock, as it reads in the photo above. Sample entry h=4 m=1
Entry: h=2 m=23
